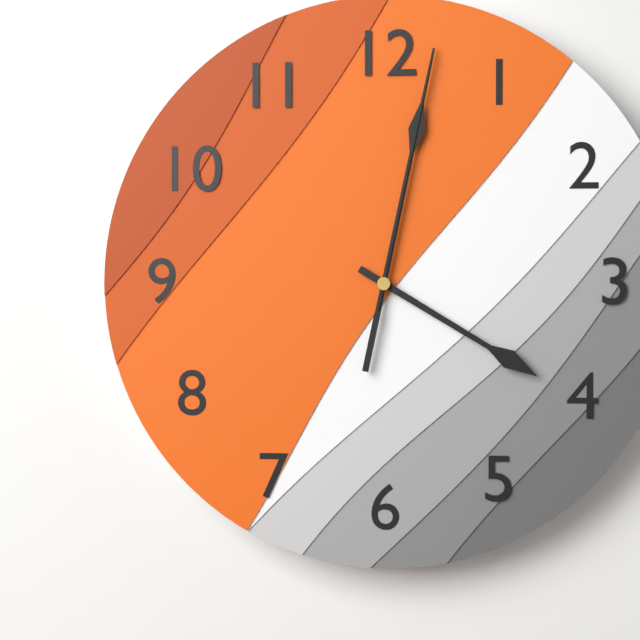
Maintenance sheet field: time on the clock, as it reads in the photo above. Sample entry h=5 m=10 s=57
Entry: h=4 m=2 s=2
